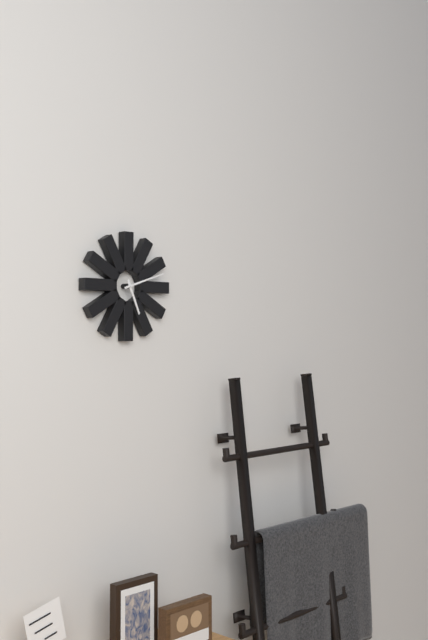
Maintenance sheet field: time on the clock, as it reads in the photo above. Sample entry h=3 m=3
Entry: h=5 m=12
